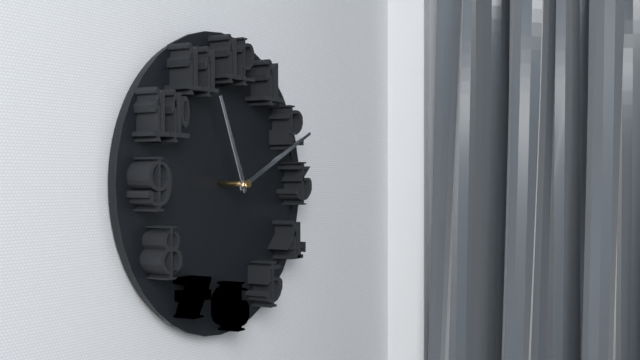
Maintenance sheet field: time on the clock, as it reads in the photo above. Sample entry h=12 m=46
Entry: h=11 m=11
